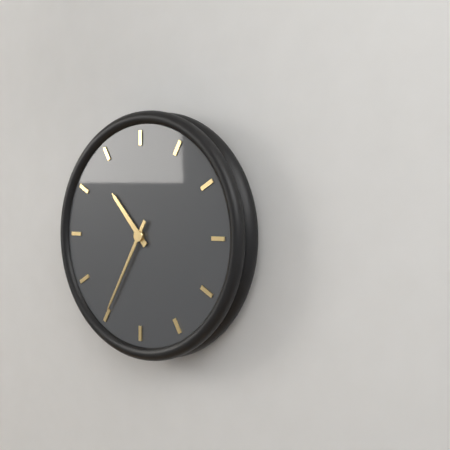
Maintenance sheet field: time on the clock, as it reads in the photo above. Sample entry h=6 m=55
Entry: h=10 m=35
